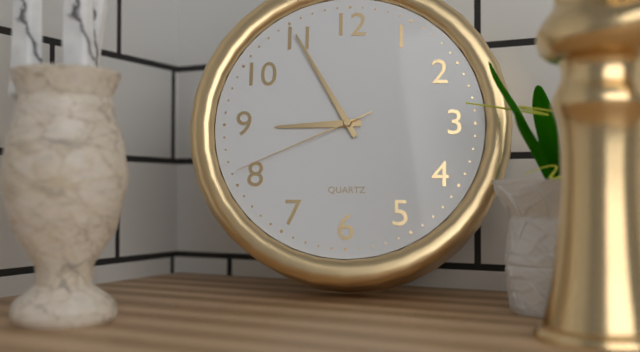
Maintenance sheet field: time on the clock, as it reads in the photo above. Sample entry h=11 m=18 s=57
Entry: h=8 m=55 s=41
